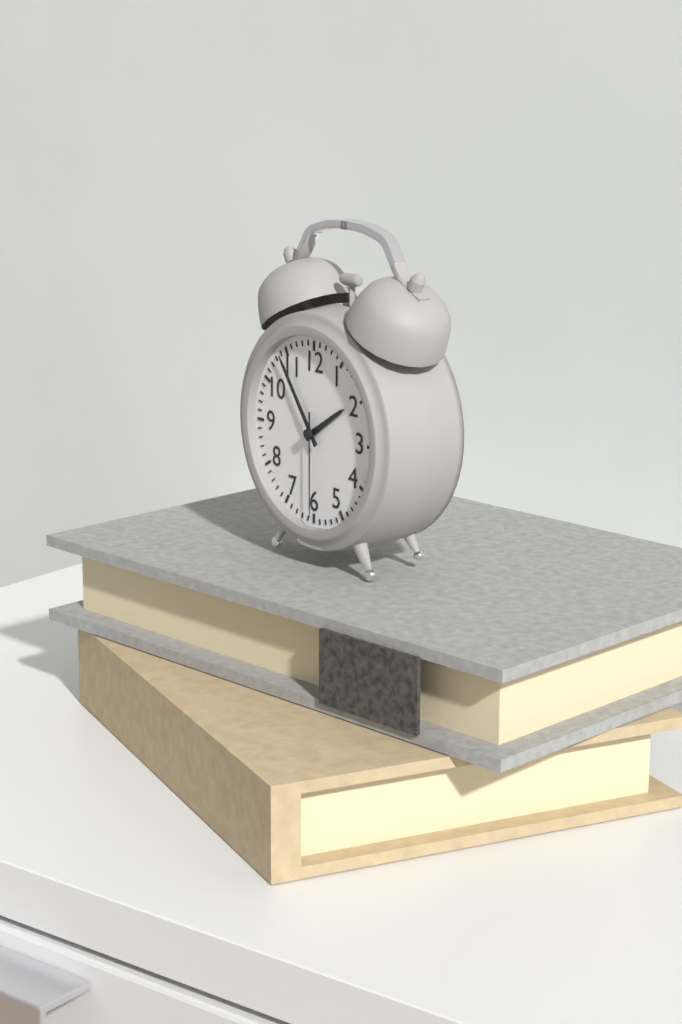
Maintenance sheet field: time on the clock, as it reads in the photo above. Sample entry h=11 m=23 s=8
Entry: h=1 m=54 s=30
